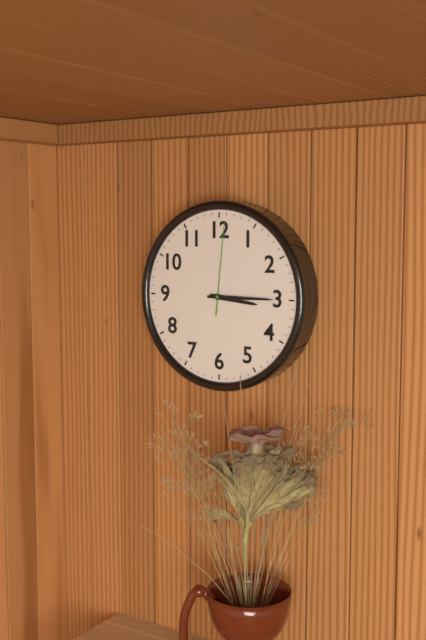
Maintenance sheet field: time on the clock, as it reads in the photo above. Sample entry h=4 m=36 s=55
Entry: h=3 m=15 s=1
